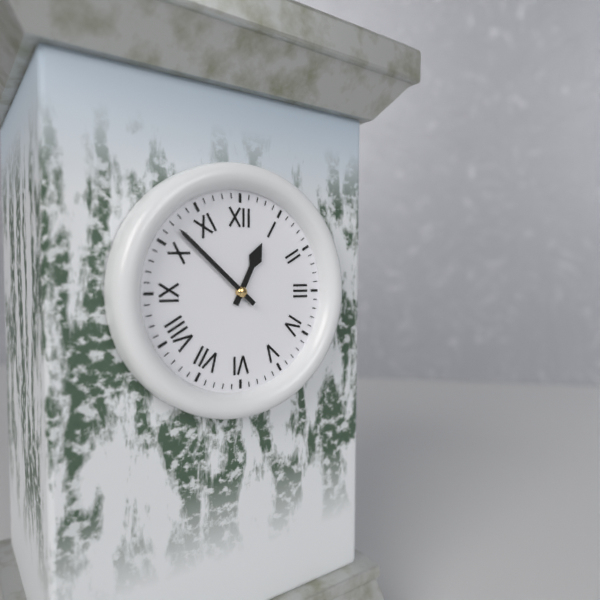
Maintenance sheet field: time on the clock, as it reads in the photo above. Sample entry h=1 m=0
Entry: h=12 m=52
